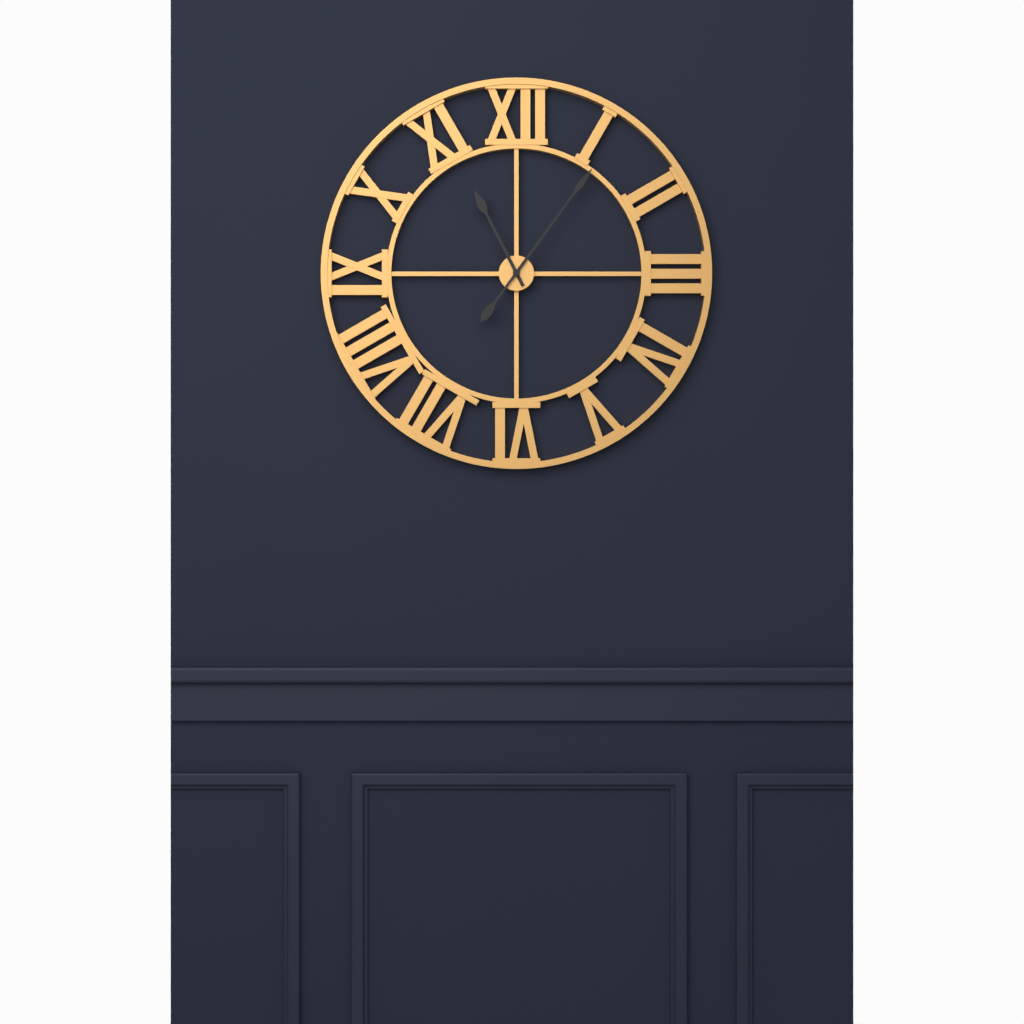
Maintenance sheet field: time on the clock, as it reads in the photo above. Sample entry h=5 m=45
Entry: h=11 m=6
